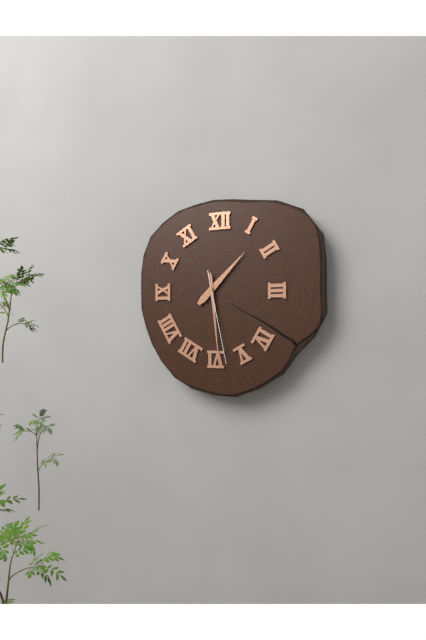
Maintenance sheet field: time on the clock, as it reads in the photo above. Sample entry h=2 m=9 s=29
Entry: h=1 m=29 s=28
